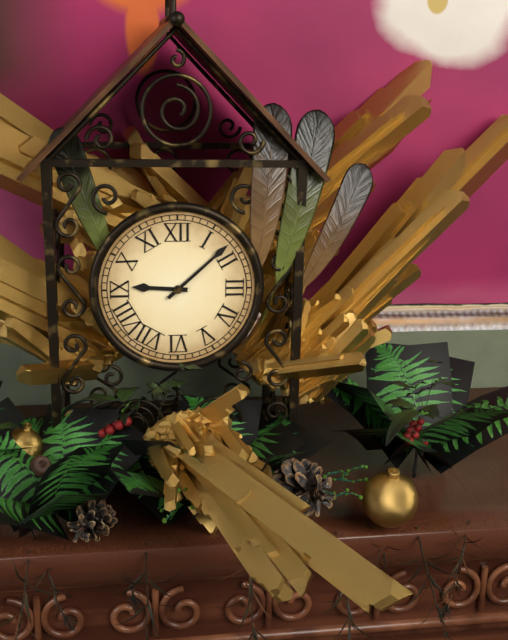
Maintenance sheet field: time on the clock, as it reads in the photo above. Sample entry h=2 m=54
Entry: h=9 m=8
